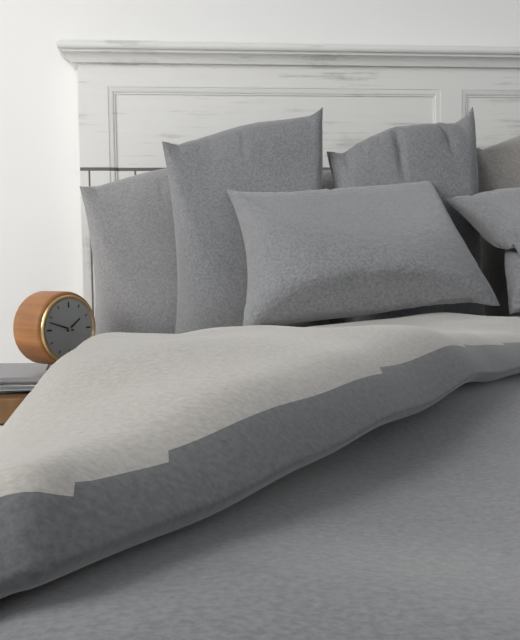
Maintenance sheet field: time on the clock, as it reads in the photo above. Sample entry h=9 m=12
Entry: h=1 m=48
